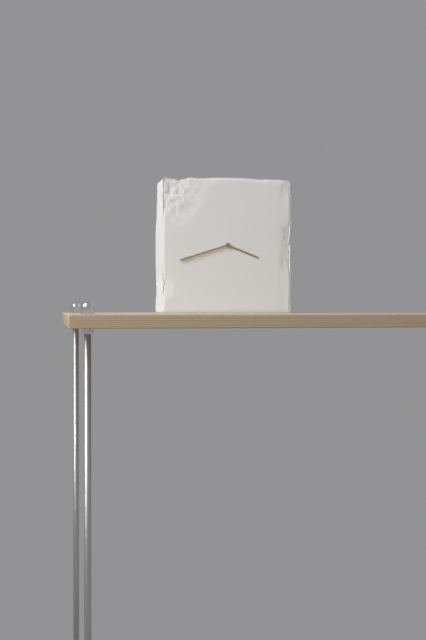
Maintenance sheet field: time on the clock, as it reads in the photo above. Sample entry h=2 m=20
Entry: h=3 m=42
